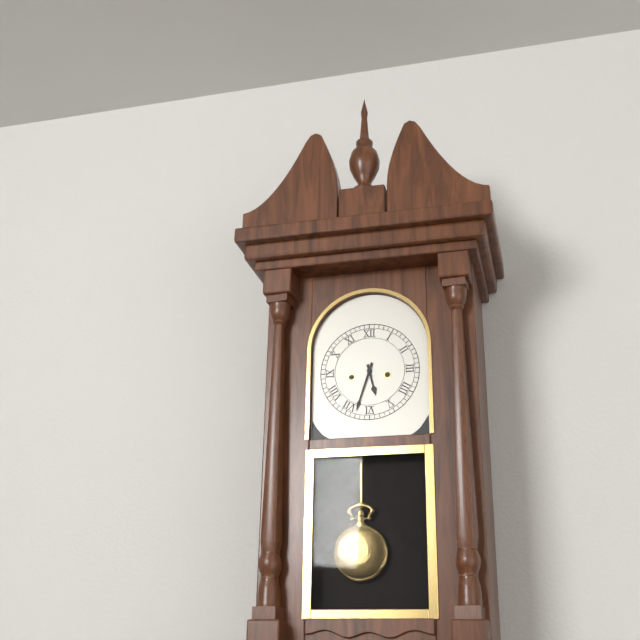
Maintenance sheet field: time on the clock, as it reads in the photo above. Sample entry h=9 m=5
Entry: h=5 m=33
